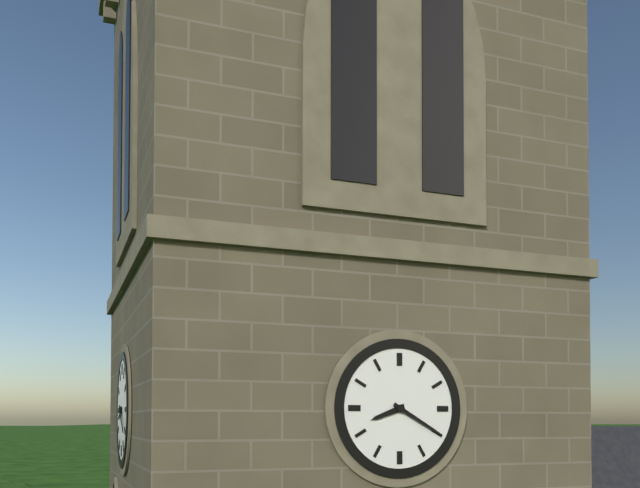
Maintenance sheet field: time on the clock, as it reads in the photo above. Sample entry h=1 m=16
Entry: h=8 m=20
